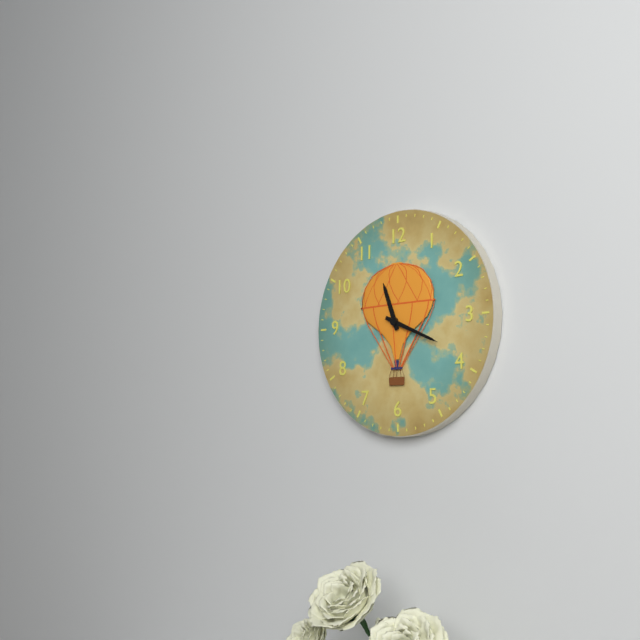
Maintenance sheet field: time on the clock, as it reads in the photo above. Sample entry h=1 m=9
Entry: h=11 m=19
